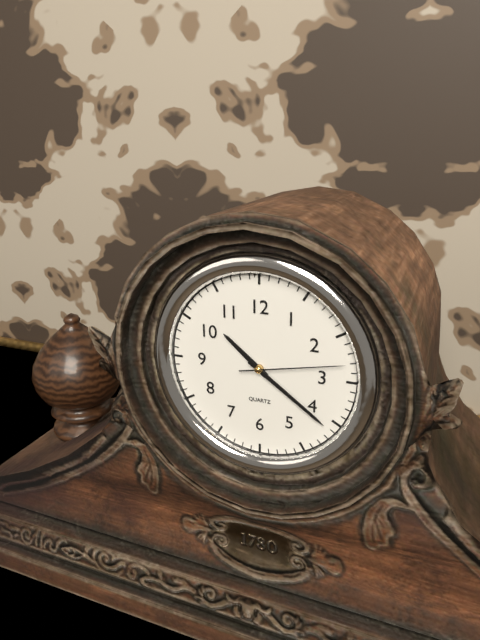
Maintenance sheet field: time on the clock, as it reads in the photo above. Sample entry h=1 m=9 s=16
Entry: h=10 m=21 s=13
